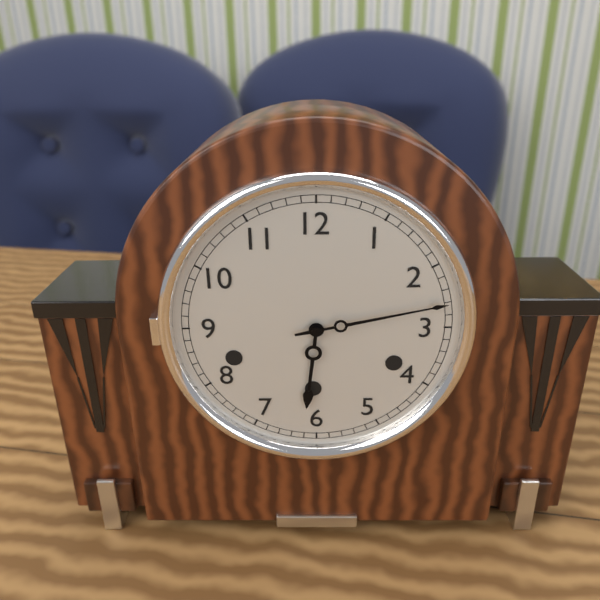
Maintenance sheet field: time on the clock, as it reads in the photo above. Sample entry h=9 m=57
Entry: h=6 m=13
